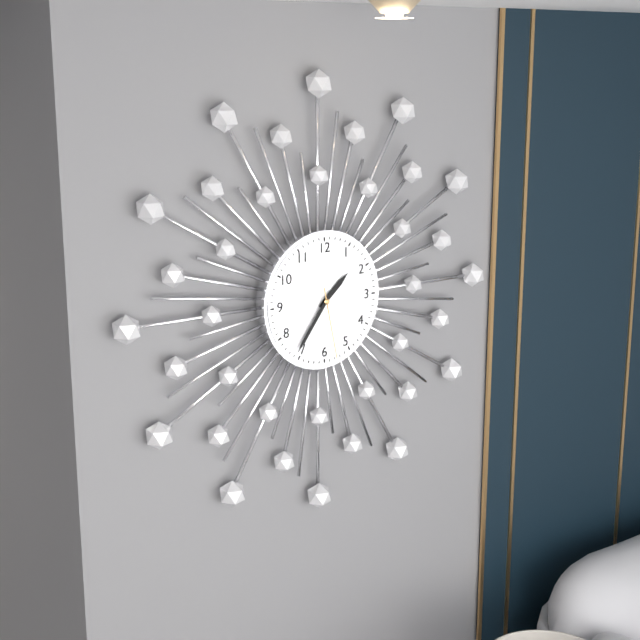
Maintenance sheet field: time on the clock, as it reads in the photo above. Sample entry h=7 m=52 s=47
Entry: h=1 m=36 s=28
